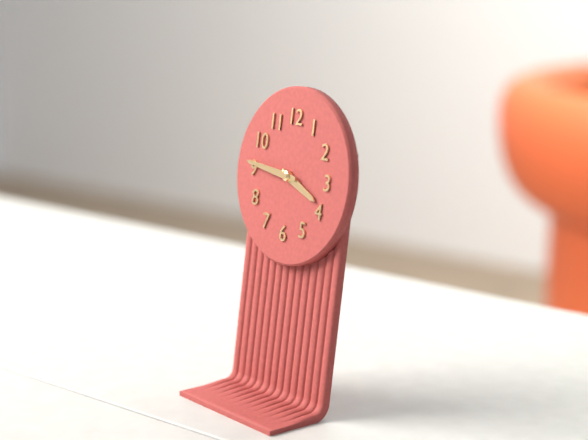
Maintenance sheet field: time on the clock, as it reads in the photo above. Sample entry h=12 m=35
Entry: h=3 m=46
